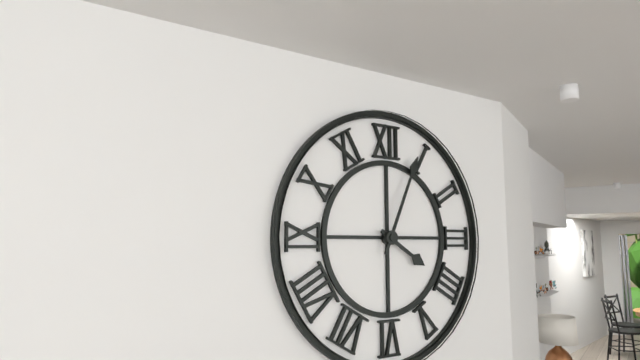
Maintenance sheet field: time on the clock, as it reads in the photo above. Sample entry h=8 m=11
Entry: h=4 m=4
